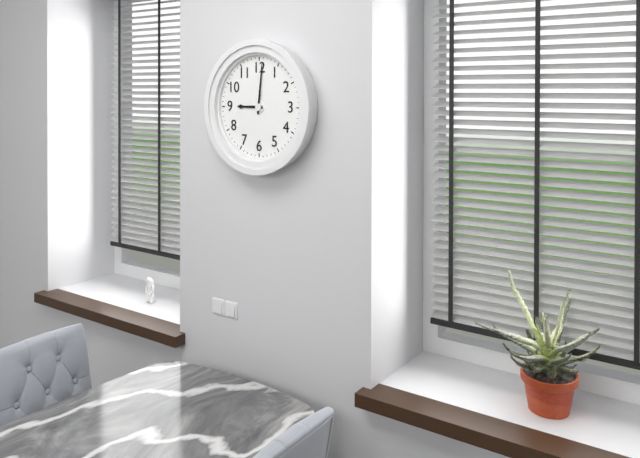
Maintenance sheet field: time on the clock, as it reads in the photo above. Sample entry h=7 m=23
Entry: h=9 m=1
